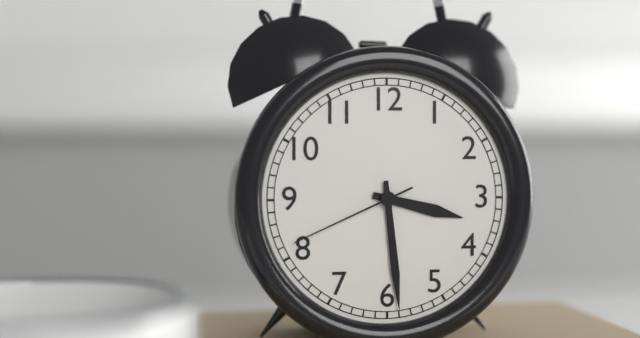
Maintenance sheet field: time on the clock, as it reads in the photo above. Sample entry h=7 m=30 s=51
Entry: h=3 m=29 s=41
